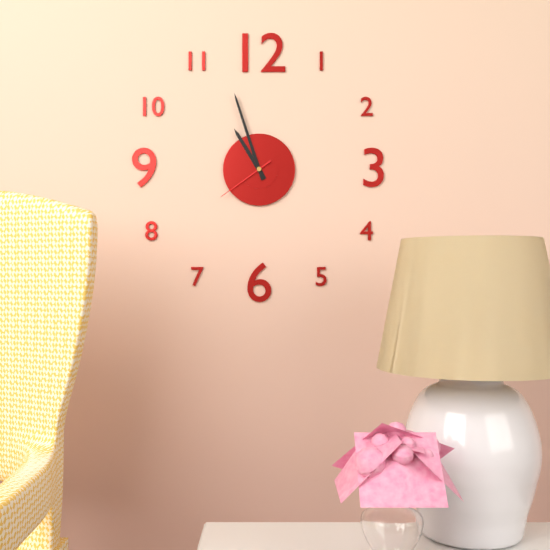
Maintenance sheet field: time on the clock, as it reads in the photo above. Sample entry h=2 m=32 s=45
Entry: h=10 m=57 s=39
